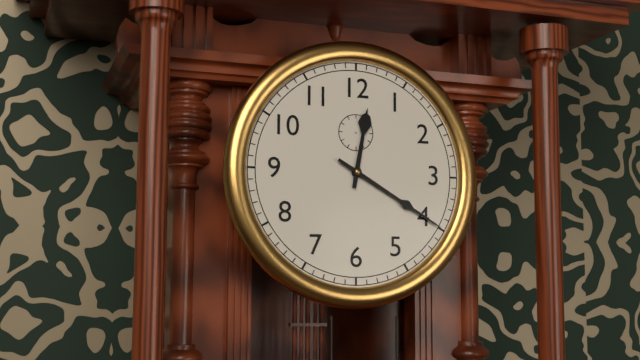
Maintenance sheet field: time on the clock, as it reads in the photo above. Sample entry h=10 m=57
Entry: h=12 m=20
